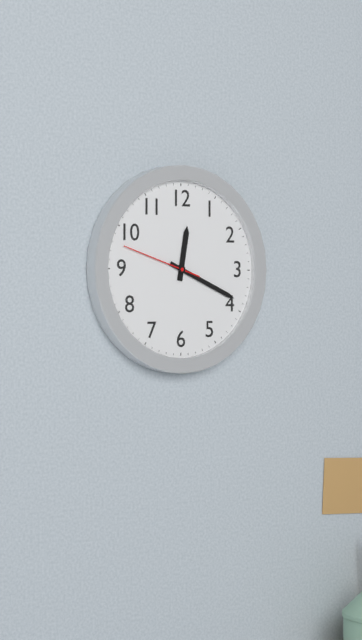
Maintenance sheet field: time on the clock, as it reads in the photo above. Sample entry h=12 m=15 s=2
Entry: h=12 m=19 s=48
